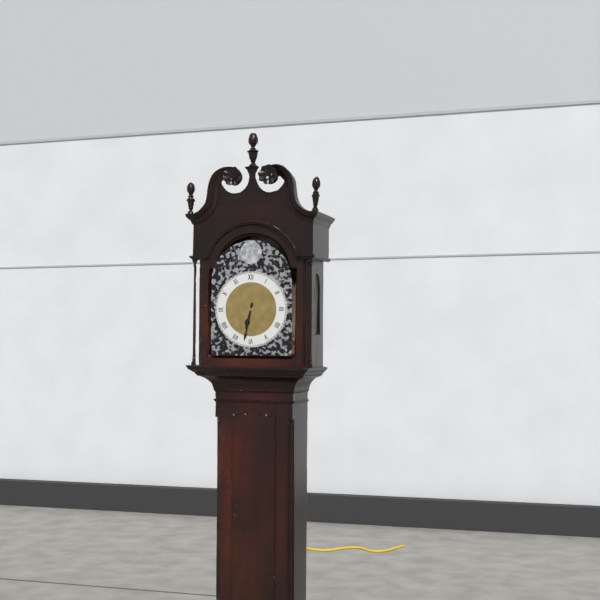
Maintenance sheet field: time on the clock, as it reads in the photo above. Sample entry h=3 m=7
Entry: h=6 m=32
